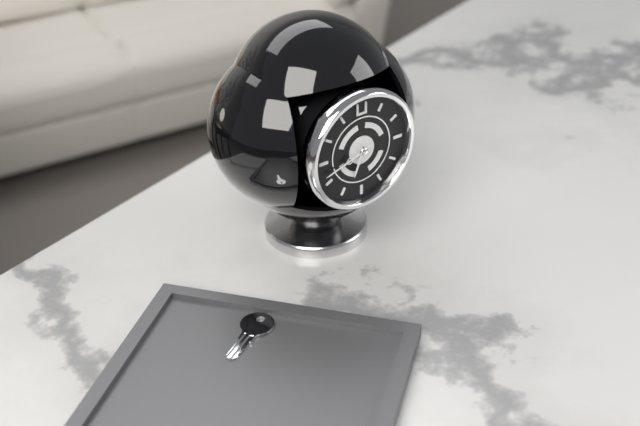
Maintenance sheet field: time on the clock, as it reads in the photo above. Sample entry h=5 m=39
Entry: h=6 m=42
